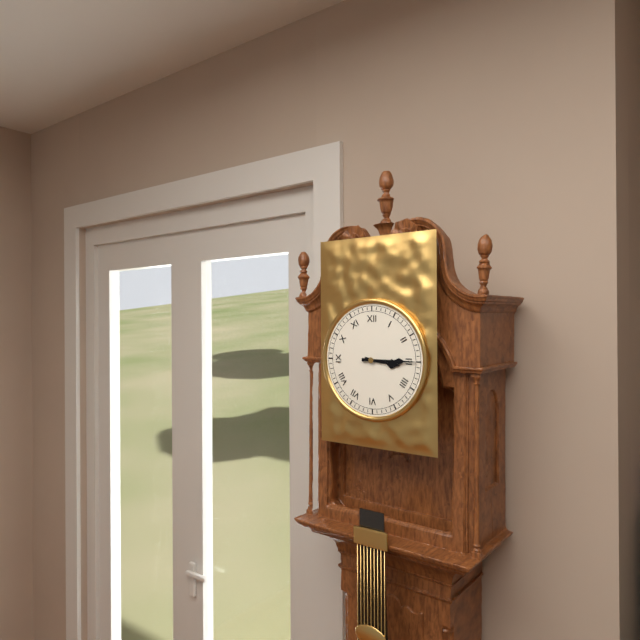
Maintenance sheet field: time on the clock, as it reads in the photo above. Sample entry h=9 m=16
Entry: h=3 m=15
